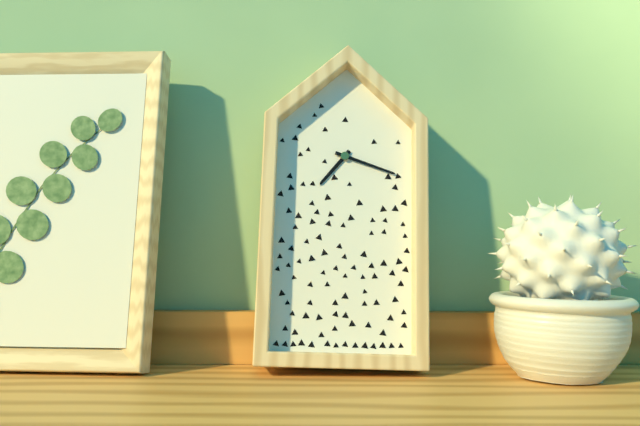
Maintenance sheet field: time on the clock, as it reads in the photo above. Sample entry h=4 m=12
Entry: h=7 m=18
